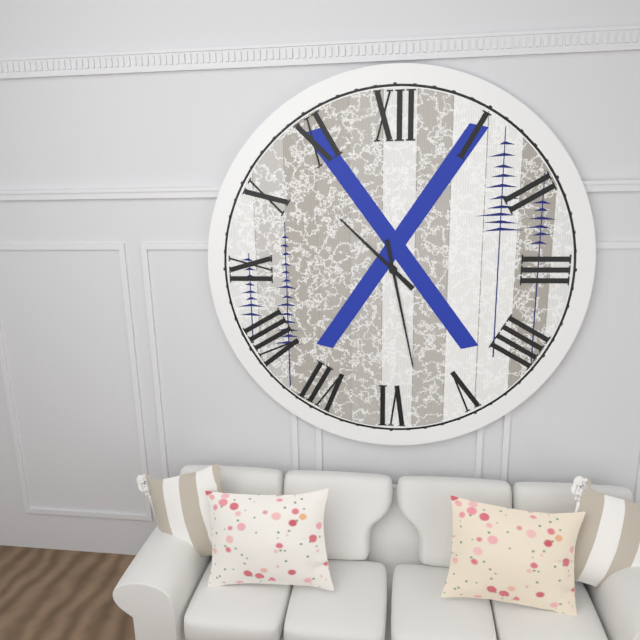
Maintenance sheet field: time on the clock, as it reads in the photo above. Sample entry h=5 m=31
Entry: h=10 m=28
